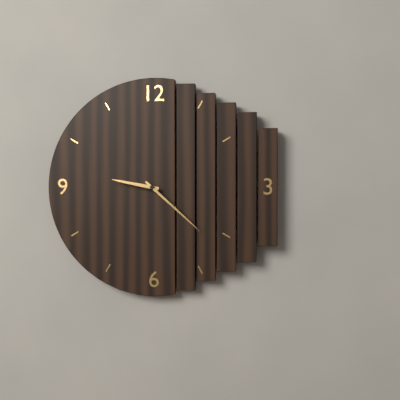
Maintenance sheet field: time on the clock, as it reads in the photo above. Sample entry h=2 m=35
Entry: h=9 m=22
